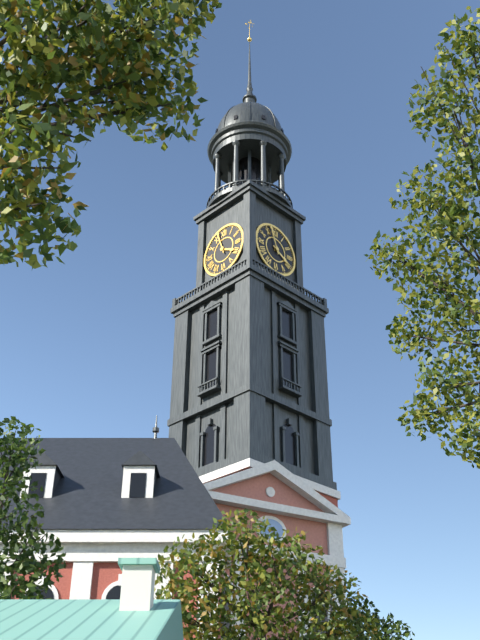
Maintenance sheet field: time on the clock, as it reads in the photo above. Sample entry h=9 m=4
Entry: h=3 m=57
